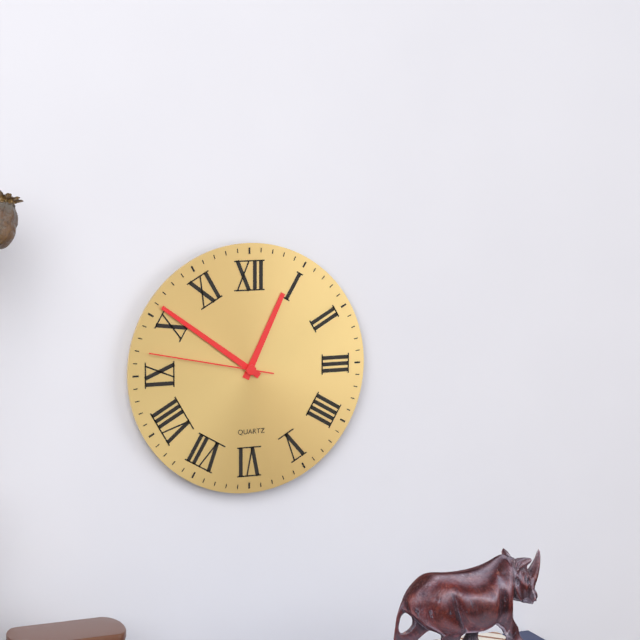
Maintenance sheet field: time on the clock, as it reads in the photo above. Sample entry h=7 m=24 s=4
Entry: h=12 m=51 s=47
